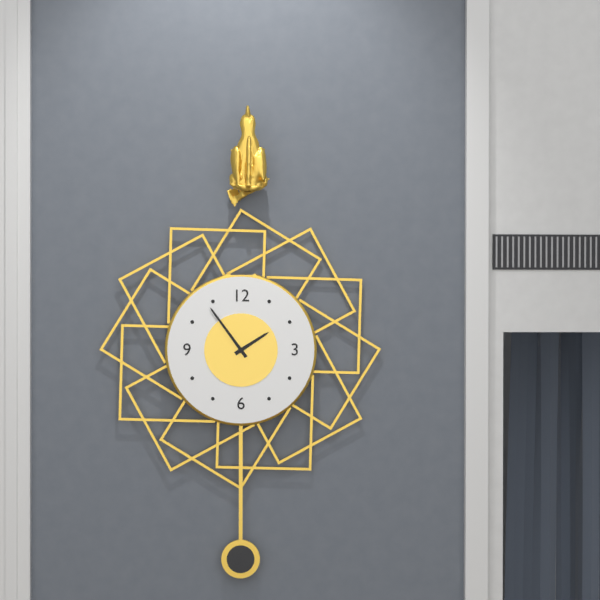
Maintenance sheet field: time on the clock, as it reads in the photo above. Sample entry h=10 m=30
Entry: h=1 m=54
